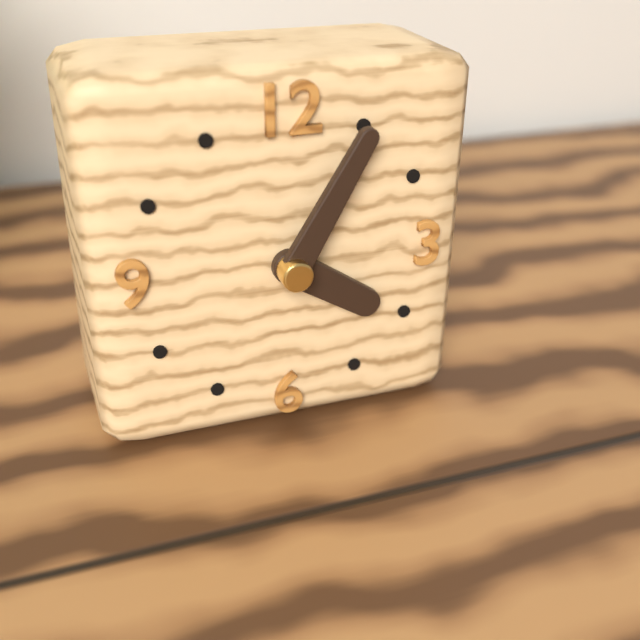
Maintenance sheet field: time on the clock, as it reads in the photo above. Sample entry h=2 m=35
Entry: h=4 m=5
